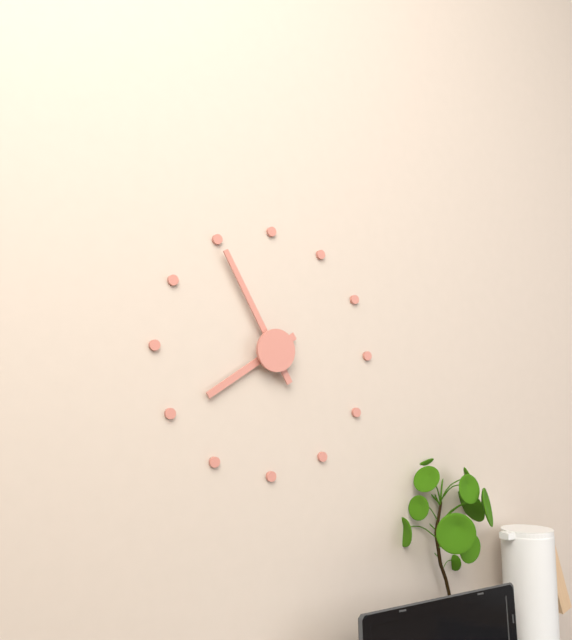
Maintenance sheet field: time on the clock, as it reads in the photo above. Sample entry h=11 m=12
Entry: h=7 m=55
